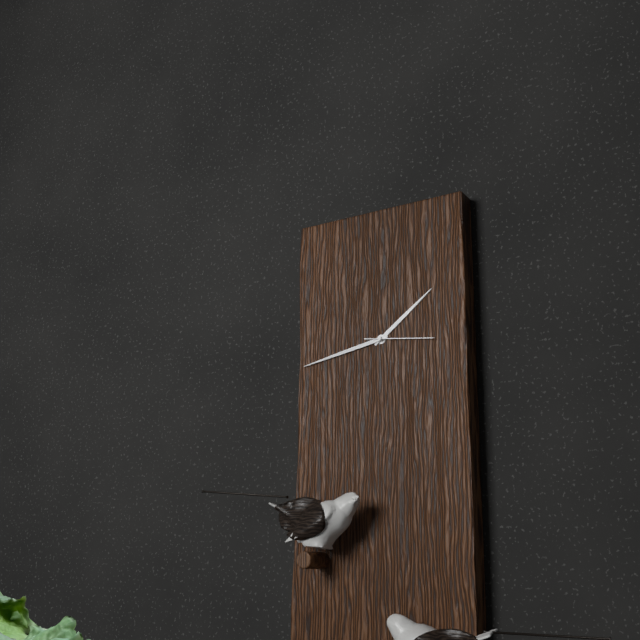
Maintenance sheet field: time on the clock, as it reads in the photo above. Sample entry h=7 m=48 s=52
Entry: h=1 m=43 s=16
